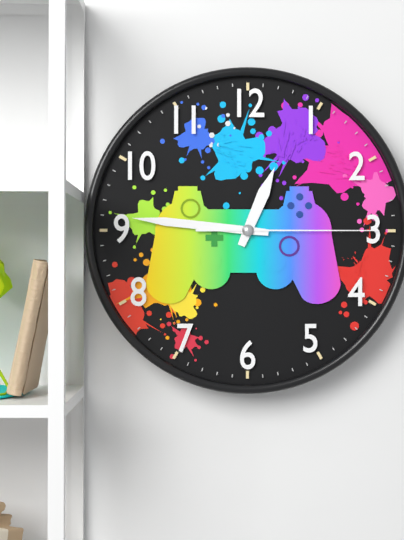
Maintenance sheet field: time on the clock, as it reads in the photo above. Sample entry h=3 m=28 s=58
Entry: h=12 m=46 s=15
